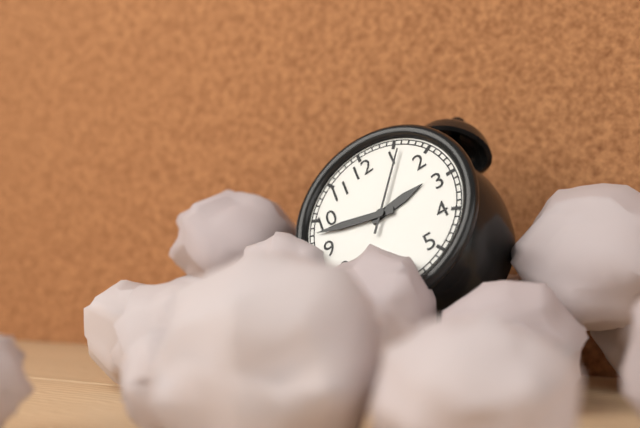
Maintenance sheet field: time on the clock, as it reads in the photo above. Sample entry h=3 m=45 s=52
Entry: h=2 m=48 s=6
